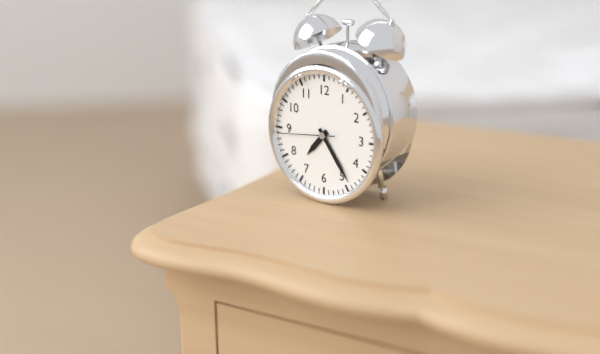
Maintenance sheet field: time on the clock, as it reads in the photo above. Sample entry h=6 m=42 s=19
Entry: h=7 m=24 s=44
